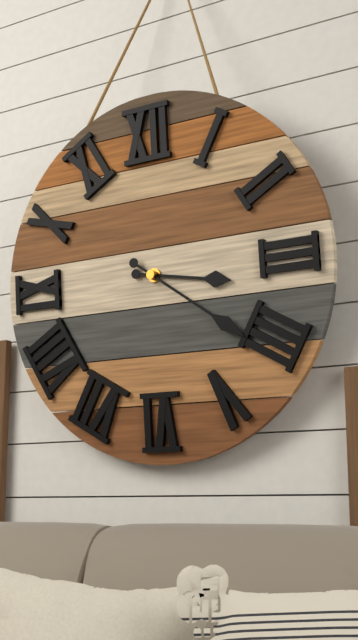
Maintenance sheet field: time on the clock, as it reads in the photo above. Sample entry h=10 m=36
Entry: h=3 m=21
